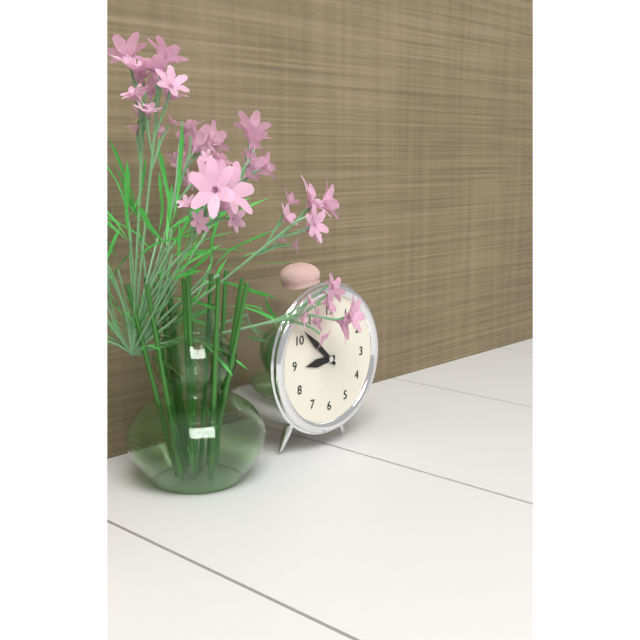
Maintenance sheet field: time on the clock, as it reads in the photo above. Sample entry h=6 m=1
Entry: h=8 m=52
